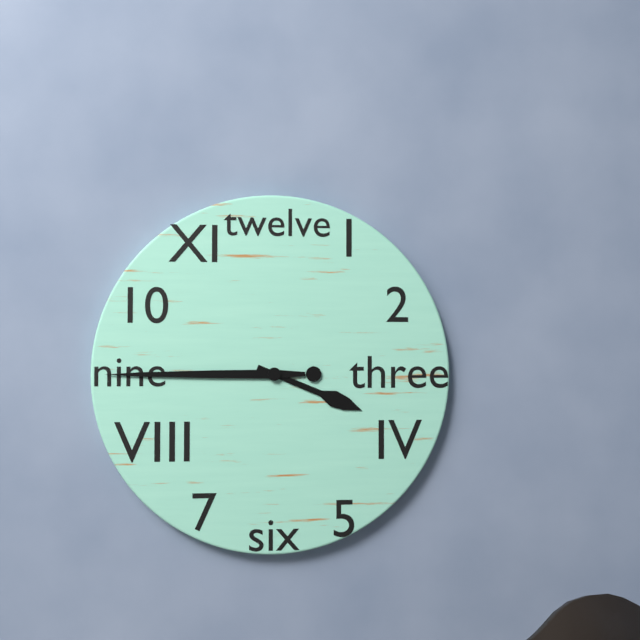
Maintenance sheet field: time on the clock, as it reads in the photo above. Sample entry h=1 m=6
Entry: h=3 m=45
